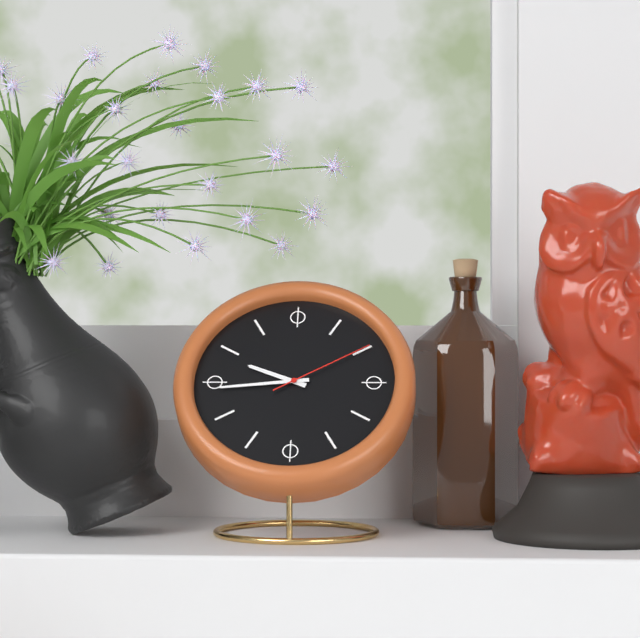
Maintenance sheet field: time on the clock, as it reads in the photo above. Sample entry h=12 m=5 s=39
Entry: h=9 m=44 s=10
